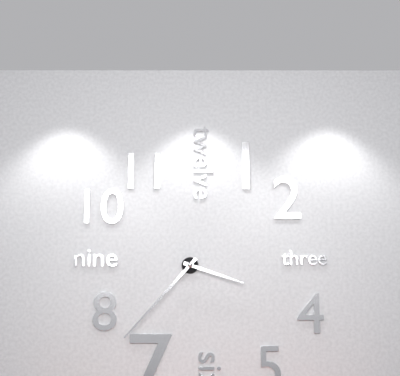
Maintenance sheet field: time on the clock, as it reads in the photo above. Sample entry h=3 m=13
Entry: h=3 m=37
